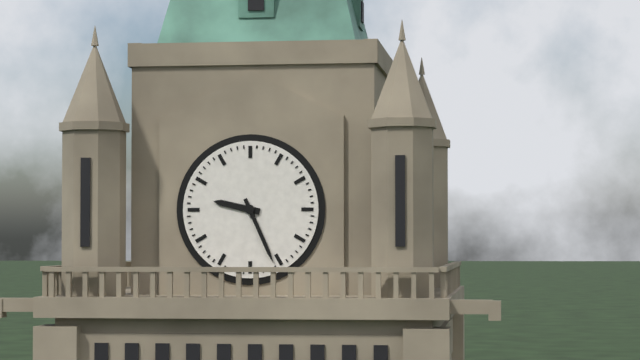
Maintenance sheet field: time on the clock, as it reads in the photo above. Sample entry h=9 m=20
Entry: h=9 m=26
